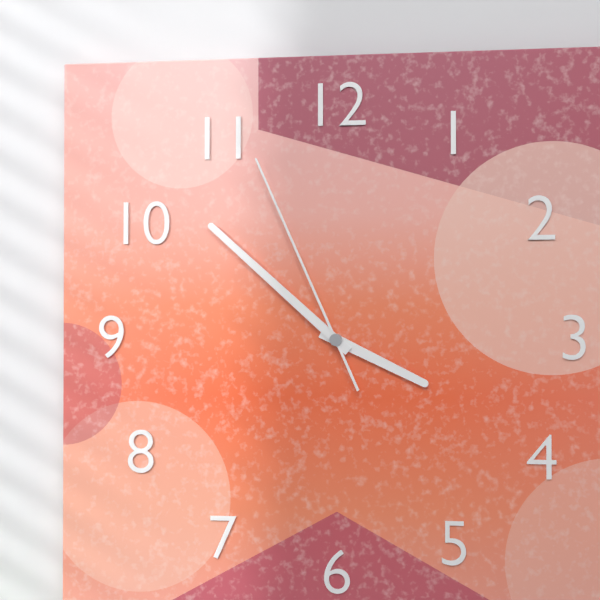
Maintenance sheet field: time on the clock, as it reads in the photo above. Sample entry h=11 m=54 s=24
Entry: h=3 m=52 s=56
